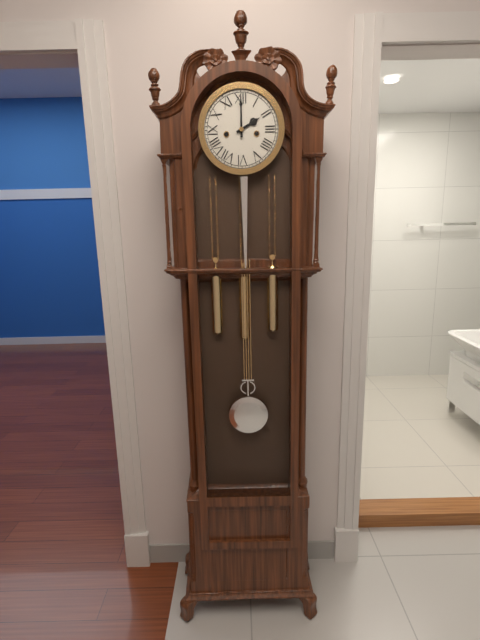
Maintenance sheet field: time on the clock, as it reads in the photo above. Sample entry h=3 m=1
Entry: h=2 m=0
